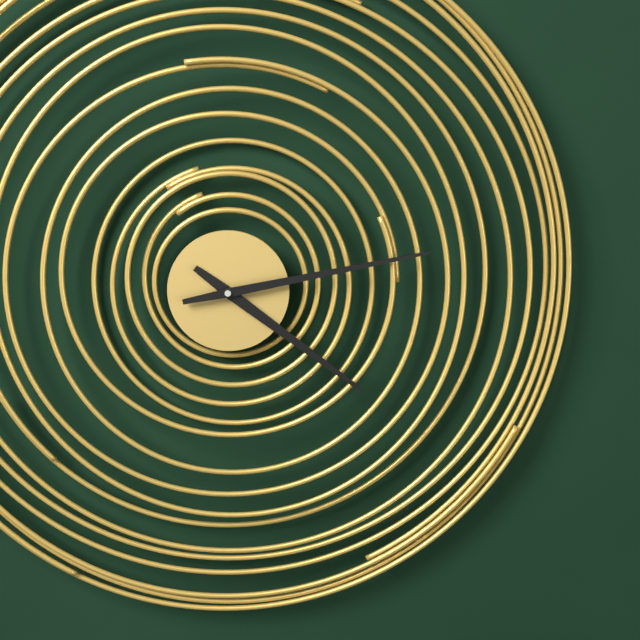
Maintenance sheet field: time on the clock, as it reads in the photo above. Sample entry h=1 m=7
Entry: h=4 m=13
